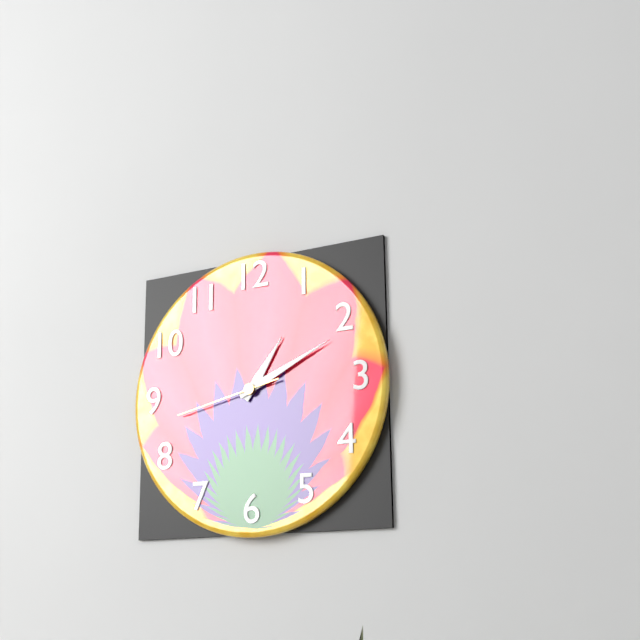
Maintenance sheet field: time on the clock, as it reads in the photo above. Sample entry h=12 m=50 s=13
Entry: h=1 m=11 s=43
